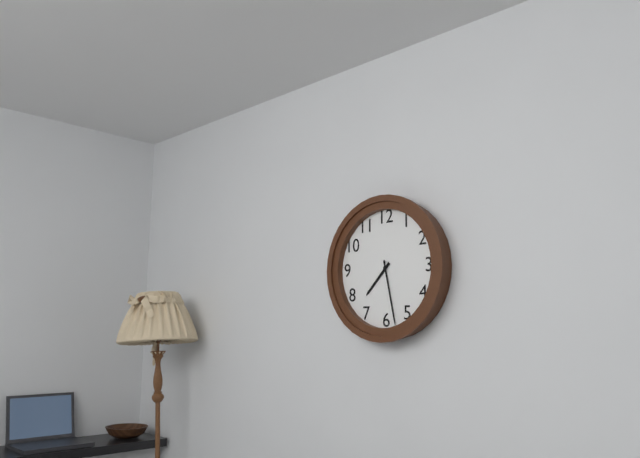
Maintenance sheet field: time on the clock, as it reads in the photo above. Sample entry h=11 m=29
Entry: h=7 m=28
